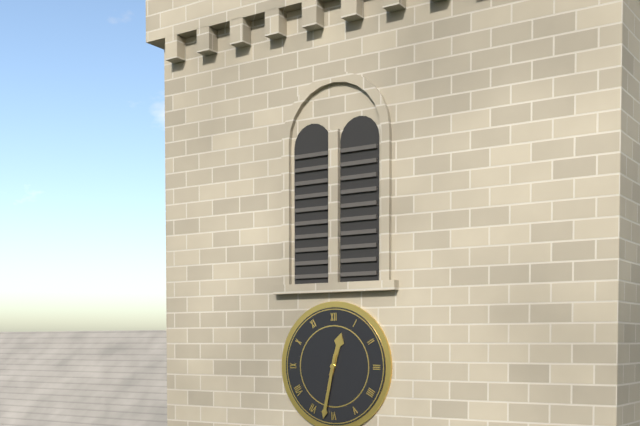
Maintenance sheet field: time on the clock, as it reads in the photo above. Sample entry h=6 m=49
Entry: h=12 m=32
